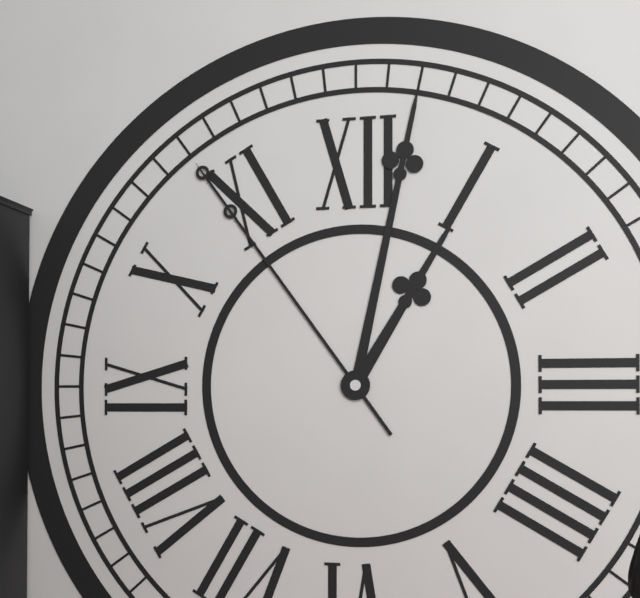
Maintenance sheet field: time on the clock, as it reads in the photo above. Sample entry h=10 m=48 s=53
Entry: h=1 m=2 s=54
